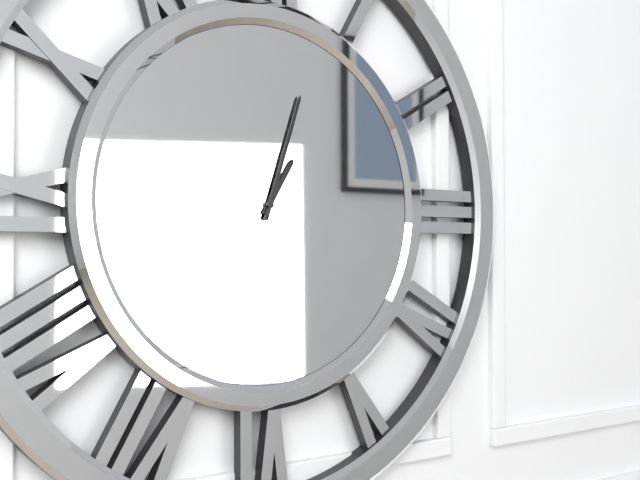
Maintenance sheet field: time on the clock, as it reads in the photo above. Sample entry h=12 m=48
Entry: h=1 m=3
